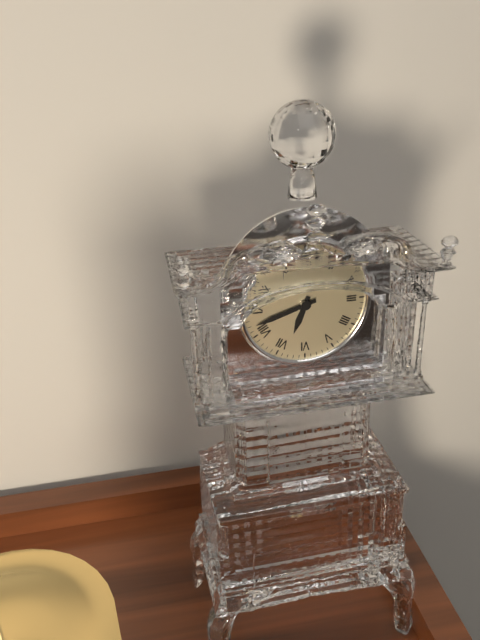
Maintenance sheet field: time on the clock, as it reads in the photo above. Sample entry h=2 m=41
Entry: h=6 m=42
